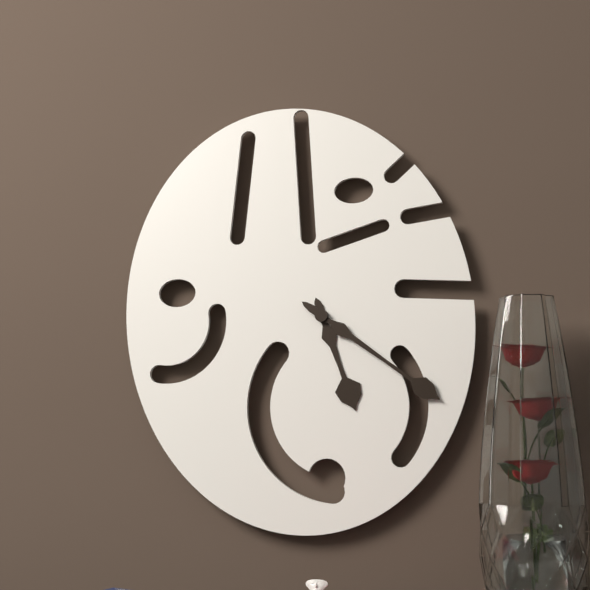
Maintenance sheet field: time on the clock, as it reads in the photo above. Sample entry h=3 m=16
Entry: h=5 m=21
